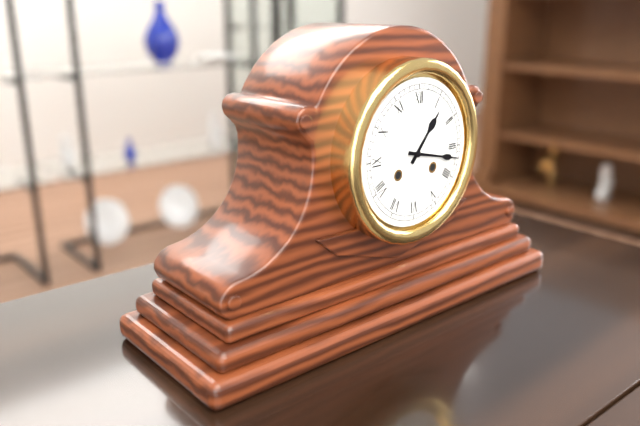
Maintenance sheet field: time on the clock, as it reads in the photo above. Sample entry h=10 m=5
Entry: h=1 m=17
